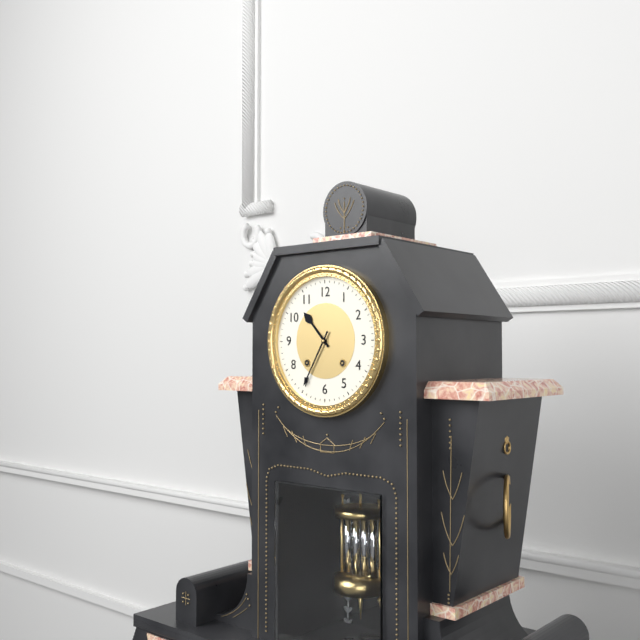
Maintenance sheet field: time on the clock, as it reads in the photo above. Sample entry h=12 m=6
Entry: h=10 m=35
